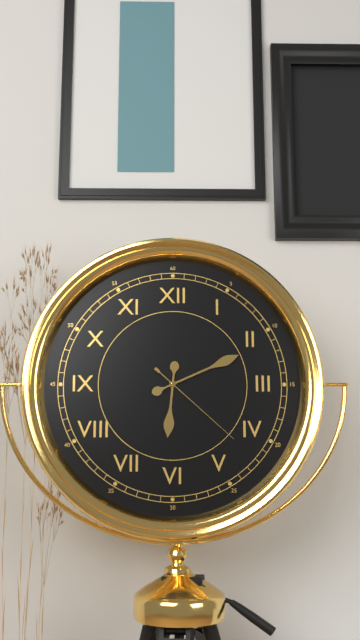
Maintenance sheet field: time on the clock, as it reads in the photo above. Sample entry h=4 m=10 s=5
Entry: h=6 m=11 s=22
